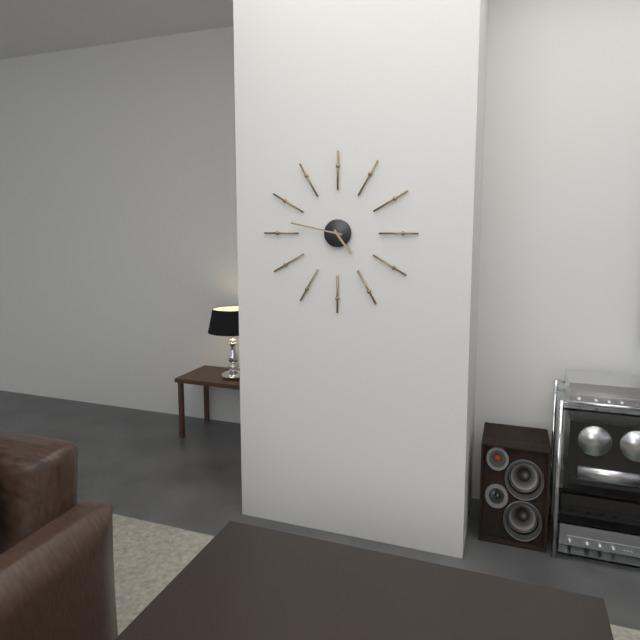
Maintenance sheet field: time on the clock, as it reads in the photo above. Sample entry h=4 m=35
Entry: h=4 m=47
